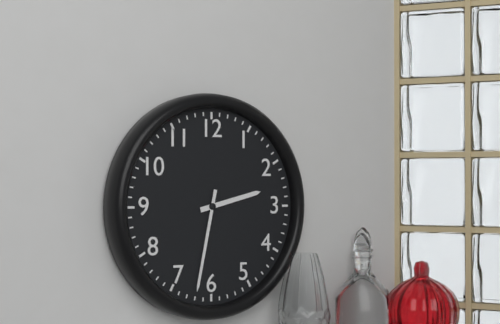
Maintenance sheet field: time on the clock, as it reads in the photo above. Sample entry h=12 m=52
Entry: h=2 m=32
